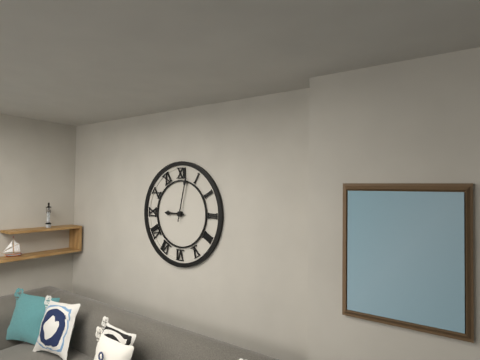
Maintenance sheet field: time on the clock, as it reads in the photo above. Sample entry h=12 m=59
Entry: h=9 m=2
